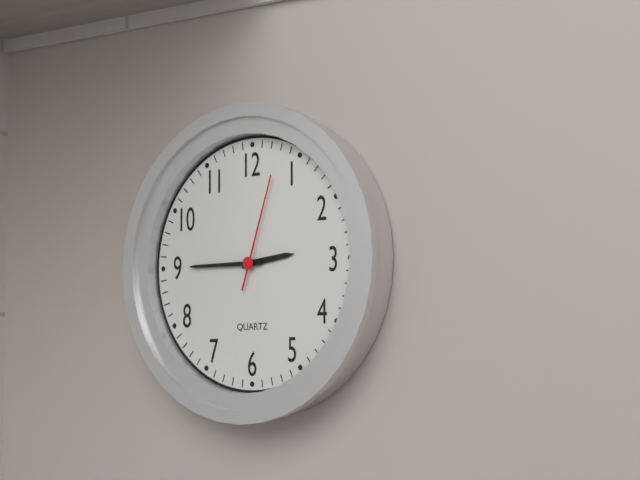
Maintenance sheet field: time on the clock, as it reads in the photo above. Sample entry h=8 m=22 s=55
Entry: h=2 m=45 s=3
